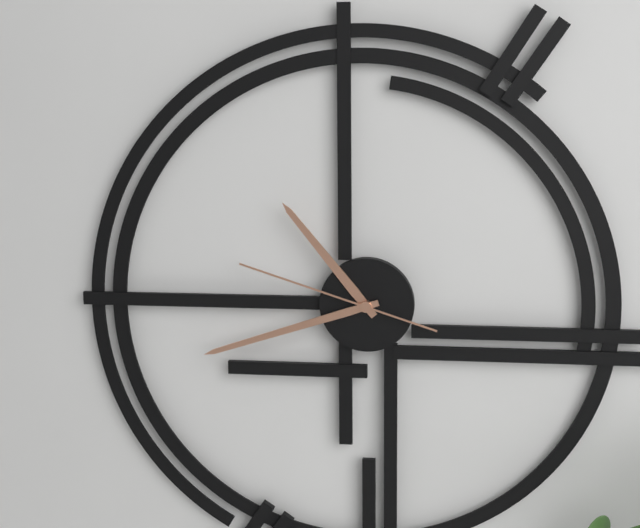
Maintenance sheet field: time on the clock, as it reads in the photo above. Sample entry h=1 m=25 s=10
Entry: h=10 m=42 s=48
